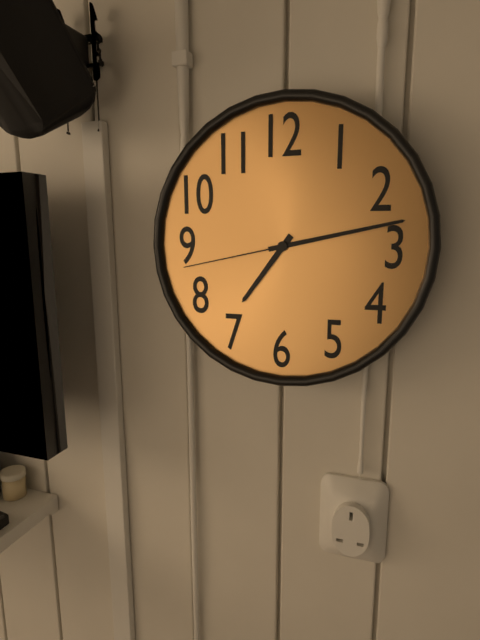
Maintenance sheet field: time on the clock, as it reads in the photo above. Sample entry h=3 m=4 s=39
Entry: h=7 m=13 s=43
